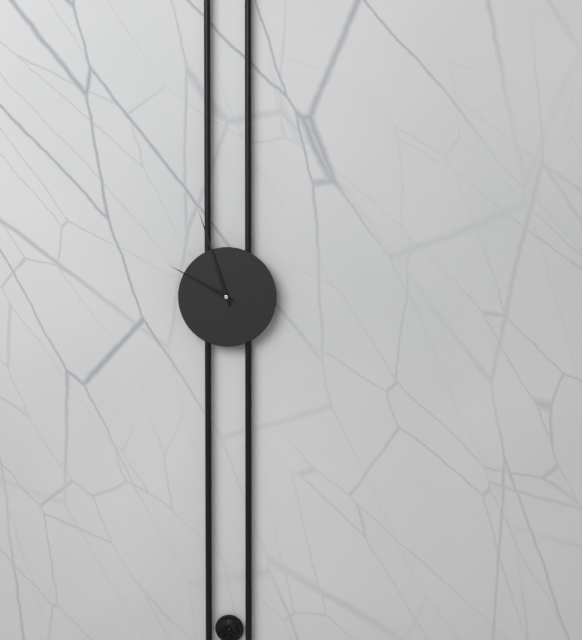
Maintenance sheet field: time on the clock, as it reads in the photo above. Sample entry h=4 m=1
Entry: h=9 m=57
